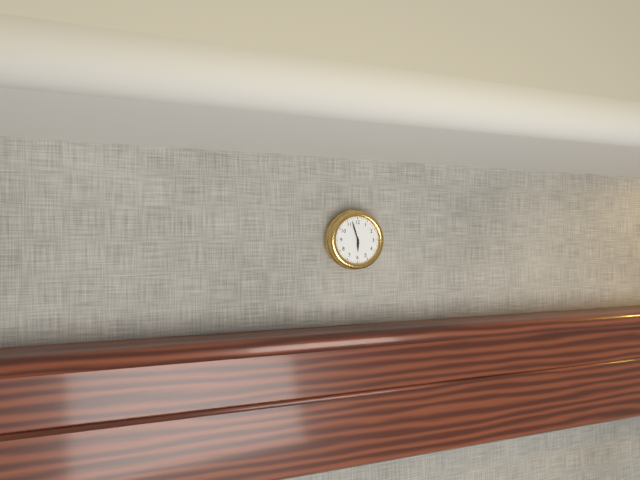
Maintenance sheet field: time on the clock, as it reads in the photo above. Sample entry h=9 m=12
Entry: h=5 m=57
